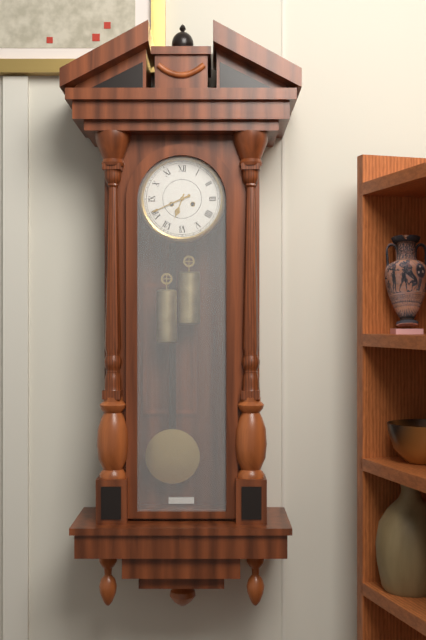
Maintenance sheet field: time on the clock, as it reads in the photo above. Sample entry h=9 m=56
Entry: h=6 m=41
